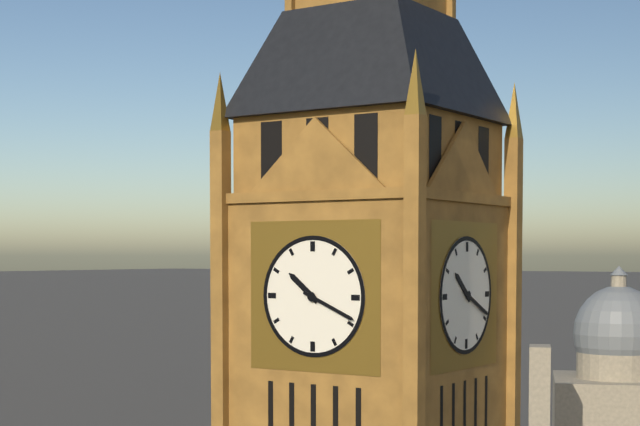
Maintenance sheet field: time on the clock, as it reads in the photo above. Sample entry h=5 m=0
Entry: h=10 m=19
